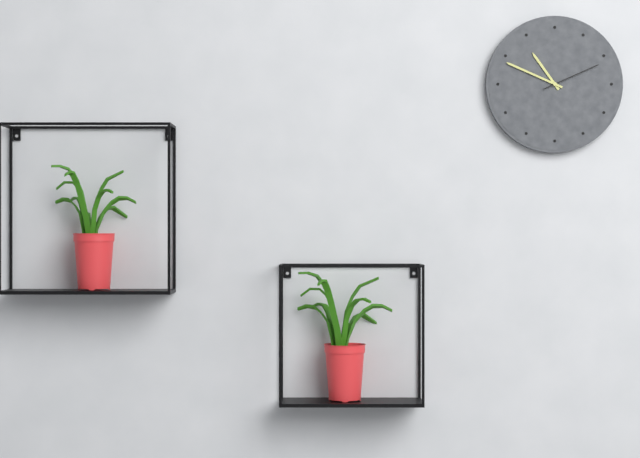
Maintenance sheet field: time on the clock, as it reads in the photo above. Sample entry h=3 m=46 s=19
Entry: h=10 m=49 s=11
